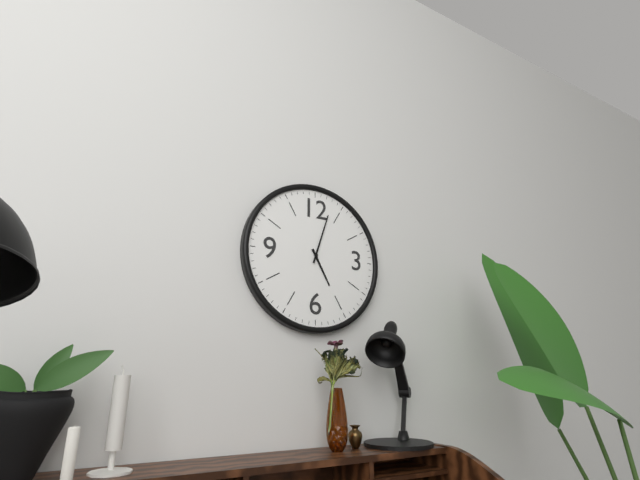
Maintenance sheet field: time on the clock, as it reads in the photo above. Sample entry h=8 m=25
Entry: h=5 m=3
